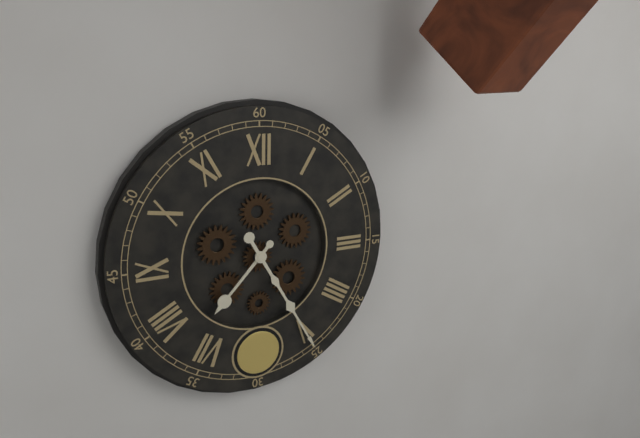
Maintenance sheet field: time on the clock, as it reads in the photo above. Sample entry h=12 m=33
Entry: h=7 m=25
